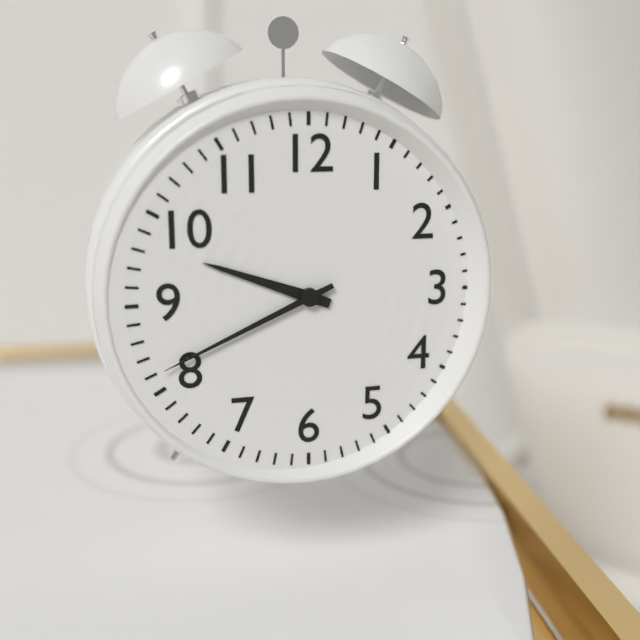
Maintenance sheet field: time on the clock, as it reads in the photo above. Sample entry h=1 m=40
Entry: h=9 m=41
